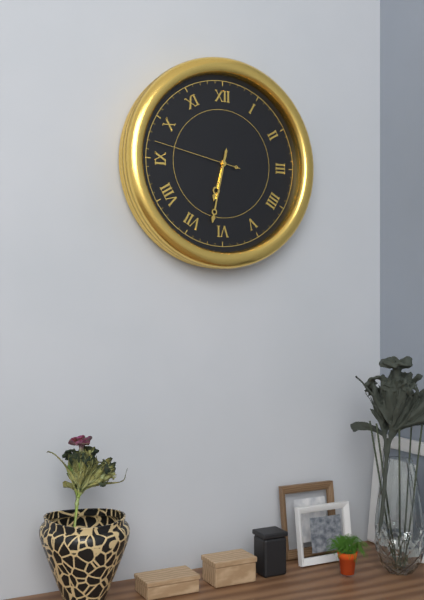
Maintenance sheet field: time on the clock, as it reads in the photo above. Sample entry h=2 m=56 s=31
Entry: h=6 m=32 s=47
